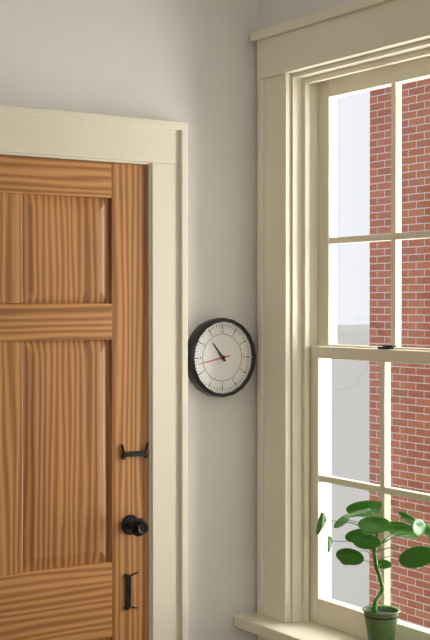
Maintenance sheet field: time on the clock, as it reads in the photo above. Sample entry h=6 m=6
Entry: h=10 m=43
